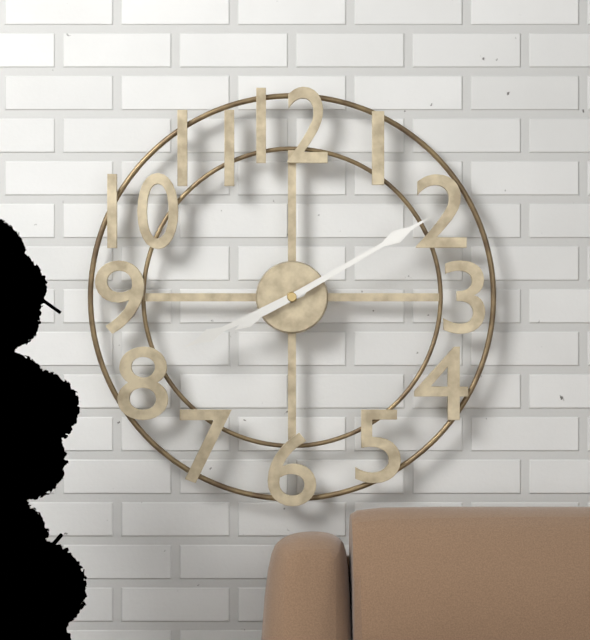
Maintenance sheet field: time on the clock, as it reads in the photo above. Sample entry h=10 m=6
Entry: h=8 m=10
